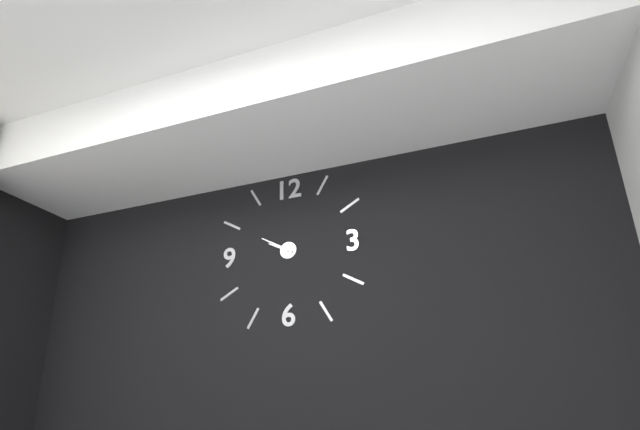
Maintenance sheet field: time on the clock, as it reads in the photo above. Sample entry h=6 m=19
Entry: h=9 m=50
